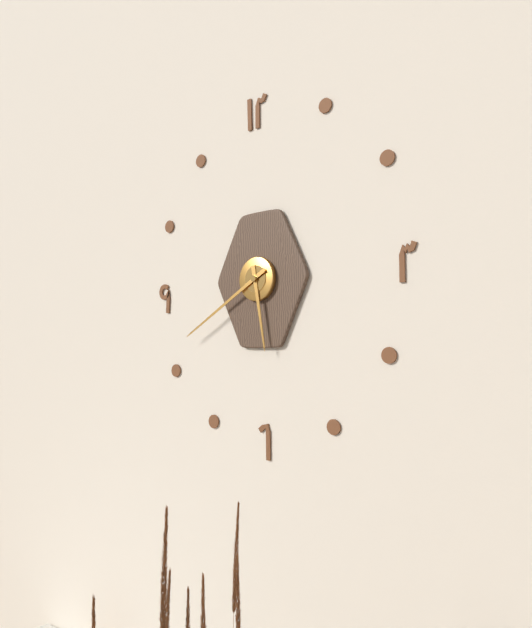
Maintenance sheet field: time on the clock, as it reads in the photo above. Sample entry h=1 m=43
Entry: h=5 m=40
